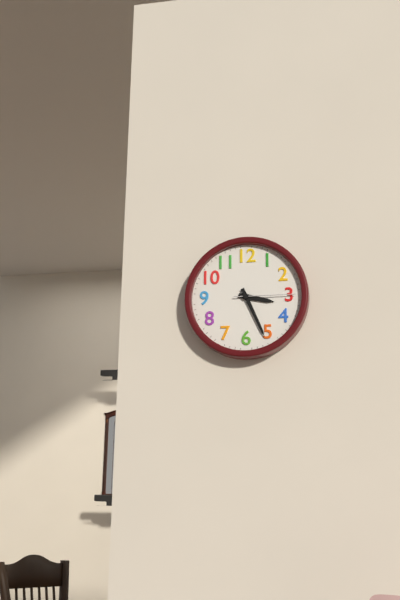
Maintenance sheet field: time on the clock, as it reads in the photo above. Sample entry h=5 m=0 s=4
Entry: h=3 m=26 s=15
